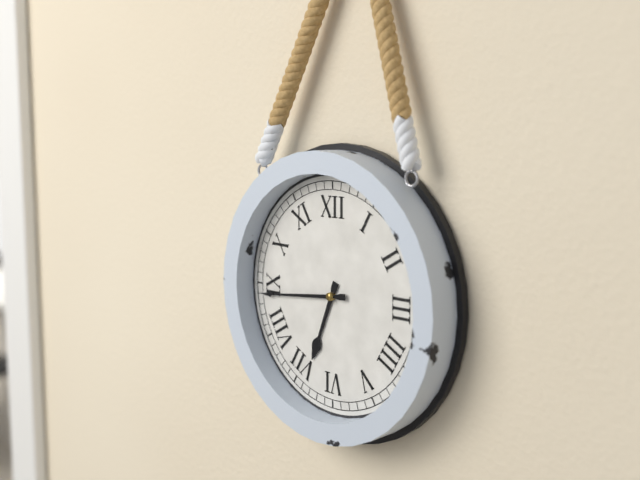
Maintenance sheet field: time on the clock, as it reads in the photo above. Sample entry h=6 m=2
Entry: h=6 m=44
